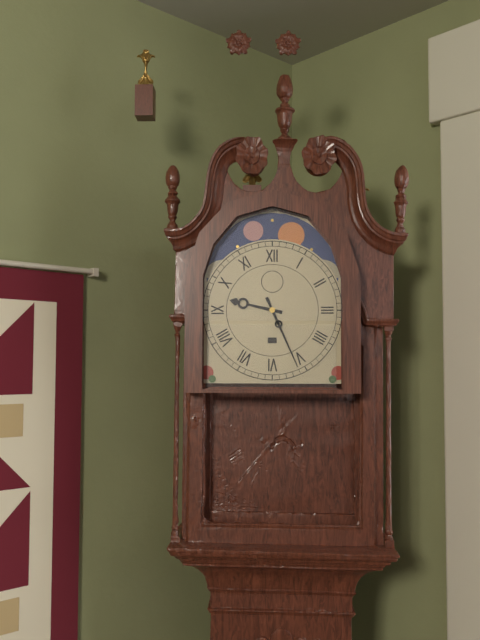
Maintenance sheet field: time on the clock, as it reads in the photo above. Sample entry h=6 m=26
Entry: h=9 m=26
